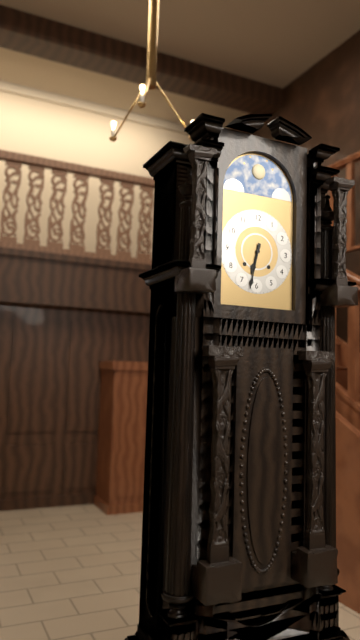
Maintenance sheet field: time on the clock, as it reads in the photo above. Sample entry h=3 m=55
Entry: h=6 m=32
